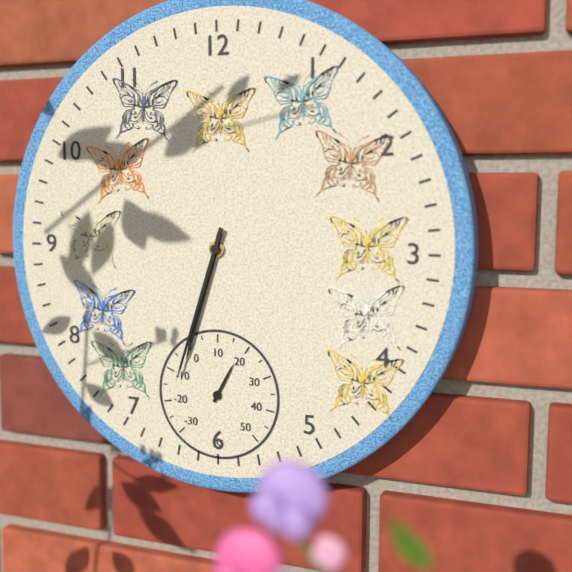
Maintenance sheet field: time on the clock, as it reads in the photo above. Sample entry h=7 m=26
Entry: h=6 m=33
